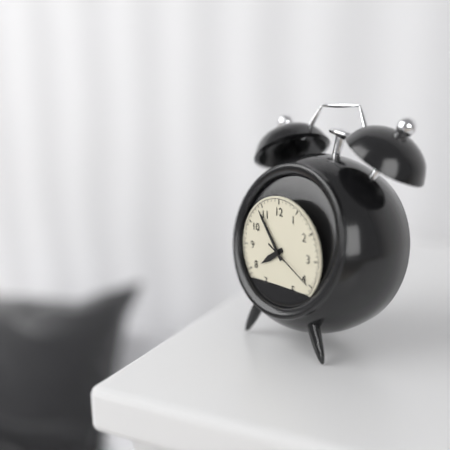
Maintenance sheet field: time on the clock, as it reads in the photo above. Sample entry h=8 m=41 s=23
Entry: h=7 m=54 s=20
